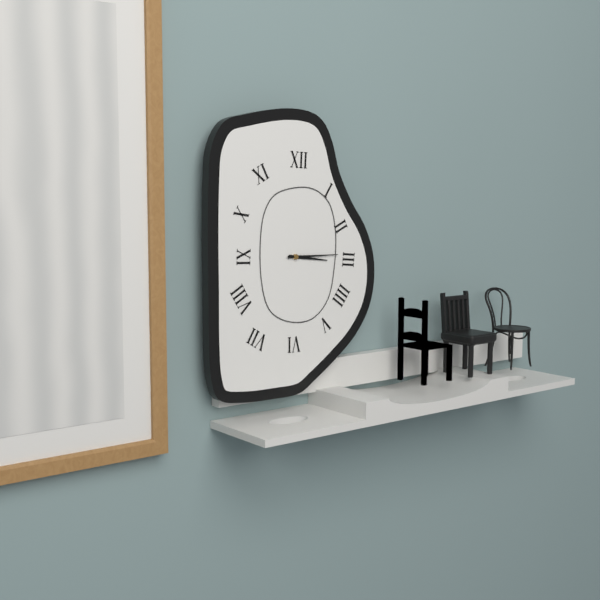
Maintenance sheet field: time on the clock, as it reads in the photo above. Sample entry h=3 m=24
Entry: h=3 m=15
